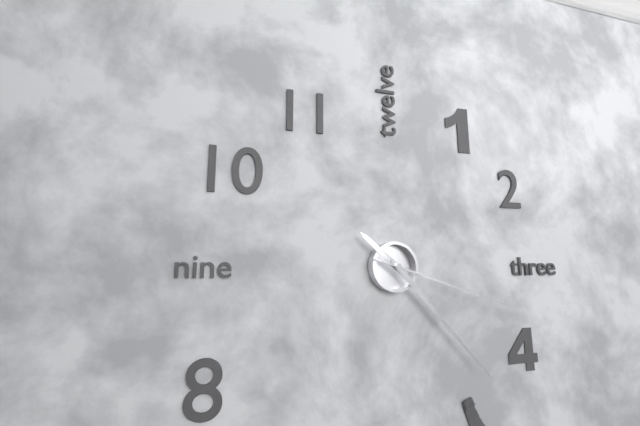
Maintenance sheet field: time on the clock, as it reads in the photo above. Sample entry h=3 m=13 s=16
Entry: h=10 m=23 s=18
